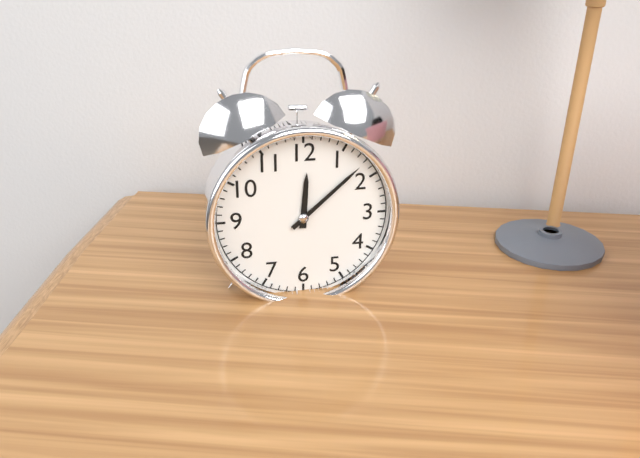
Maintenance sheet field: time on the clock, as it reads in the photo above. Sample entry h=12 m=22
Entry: h=12 m=8
